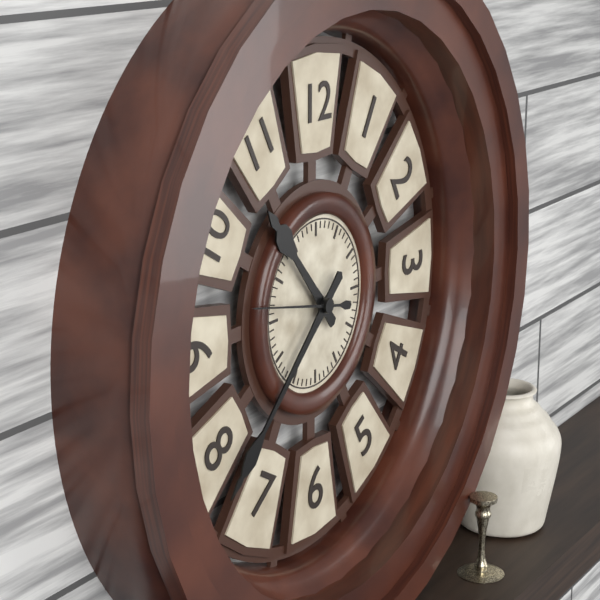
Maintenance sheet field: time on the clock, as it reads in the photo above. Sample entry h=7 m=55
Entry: h=10 m=38
